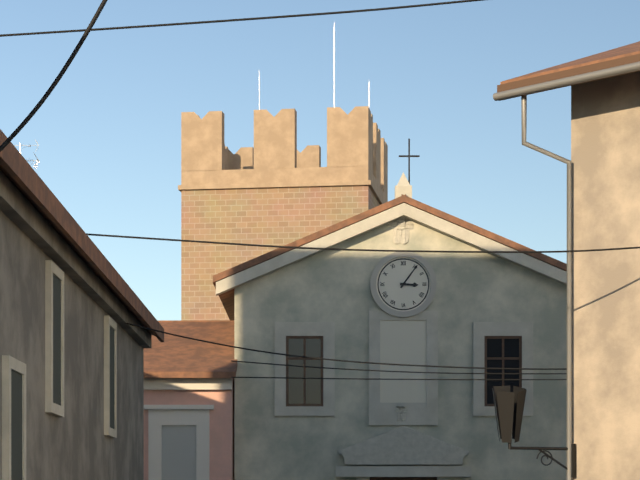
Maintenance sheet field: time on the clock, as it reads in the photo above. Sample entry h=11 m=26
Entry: h=3 m=6
